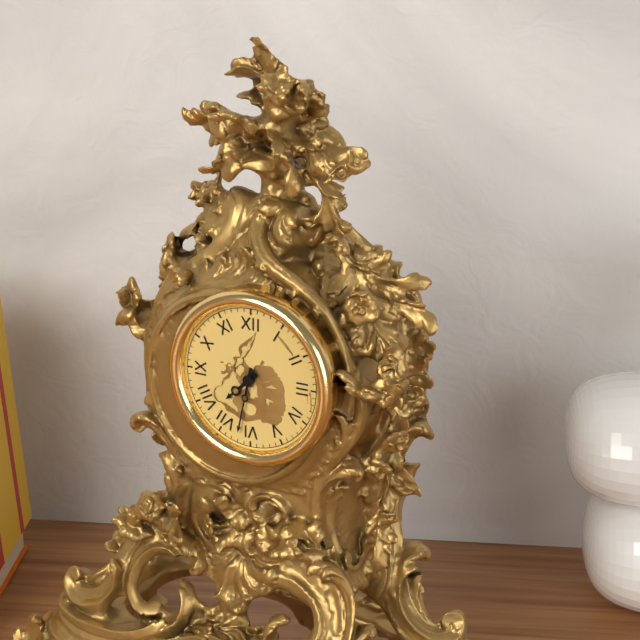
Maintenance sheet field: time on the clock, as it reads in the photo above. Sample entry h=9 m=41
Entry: h=7 m=32
